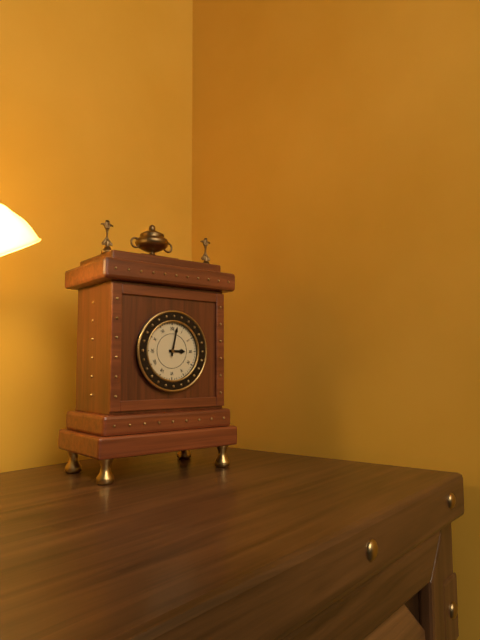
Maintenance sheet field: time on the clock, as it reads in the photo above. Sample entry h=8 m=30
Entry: h=3 m=2
